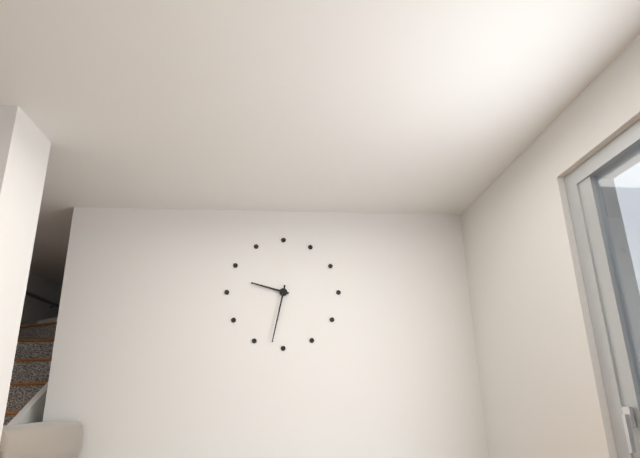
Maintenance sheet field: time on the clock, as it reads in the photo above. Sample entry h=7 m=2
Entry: h=9 m=32
